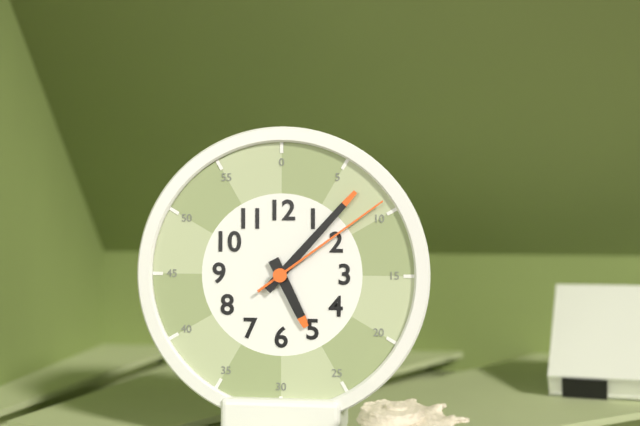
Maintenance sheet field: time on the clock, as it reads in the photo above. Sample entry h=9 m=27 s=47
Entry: h=5 m=7 s=9
